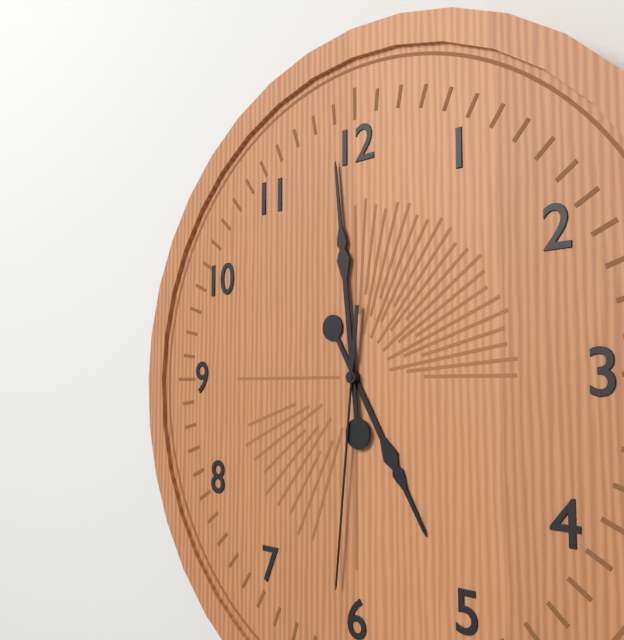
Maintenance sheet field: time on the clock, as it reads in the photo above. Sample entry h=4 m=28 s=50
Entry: h=4 m=59 s=31
